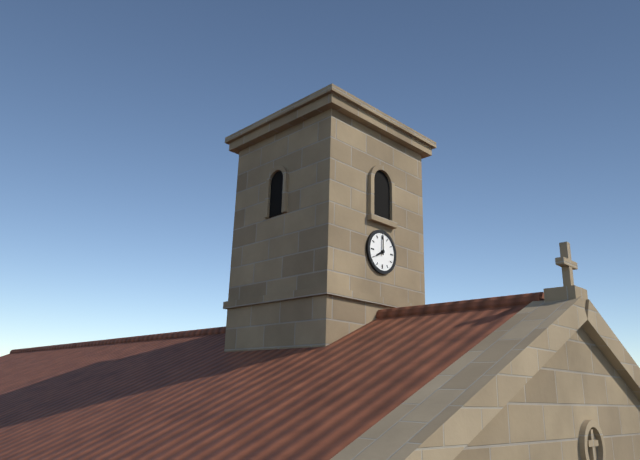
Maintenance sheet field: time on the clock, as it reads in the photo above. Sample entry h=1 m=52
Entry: h=8 m=0
